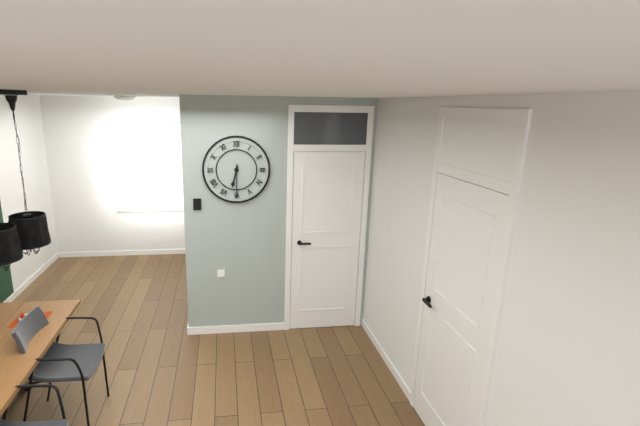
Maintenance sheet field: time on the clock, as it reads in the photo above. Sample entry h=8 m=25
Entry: h=6 m=30
